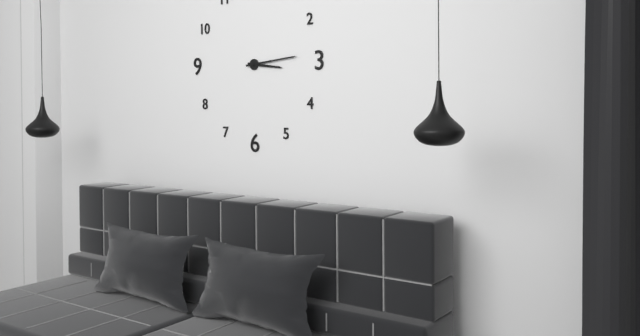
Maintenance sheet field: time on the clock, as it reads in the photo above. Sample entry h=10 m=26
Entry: h=3 m=14
